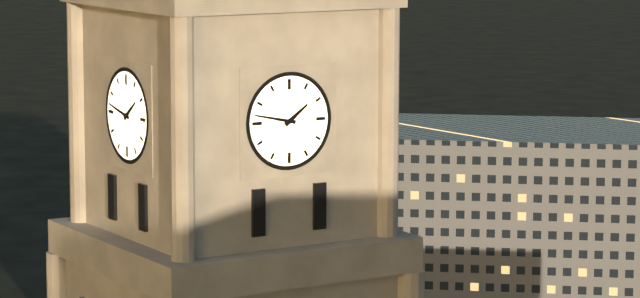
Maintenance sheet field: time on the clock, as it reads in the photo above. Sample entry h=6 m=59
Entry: h=1 m=47
